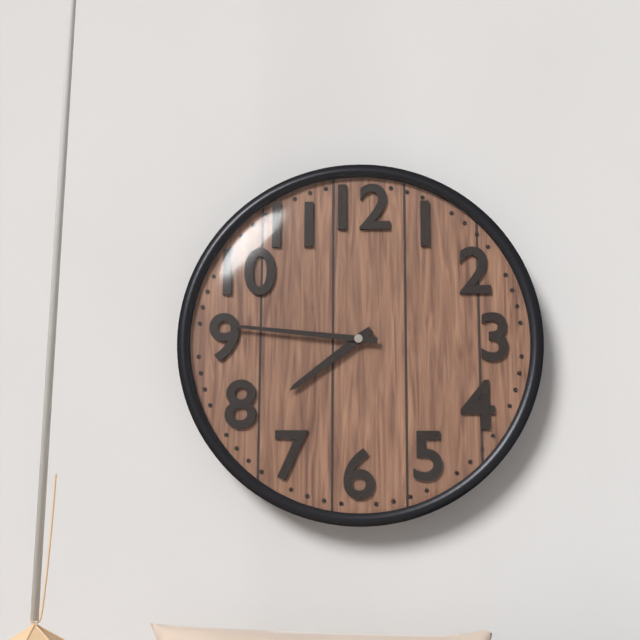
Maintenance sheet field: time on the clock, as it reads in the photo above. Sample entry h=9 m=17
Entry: h=7 m=46
